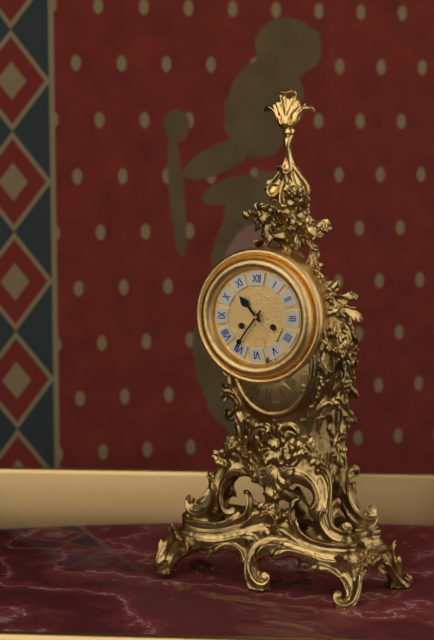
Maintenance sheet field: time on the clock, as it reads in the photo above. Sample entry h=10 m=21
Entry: h=10 m=36
